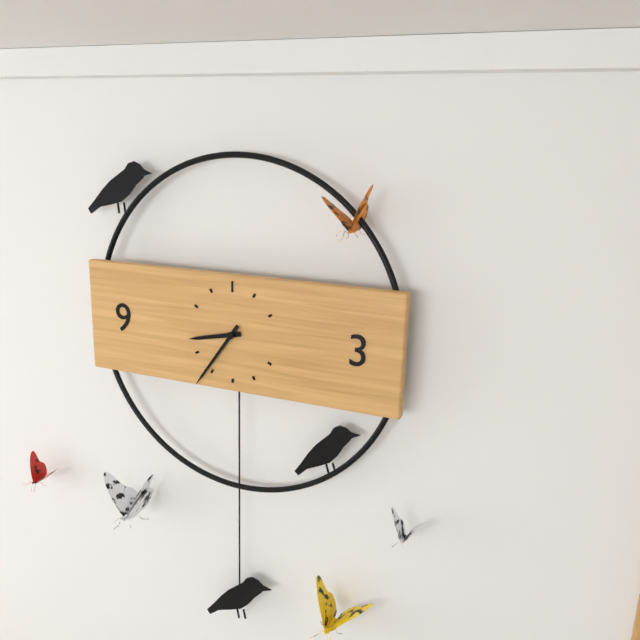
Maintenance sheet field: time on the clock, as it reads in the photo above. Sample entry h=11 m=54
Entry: h=8 m=36
